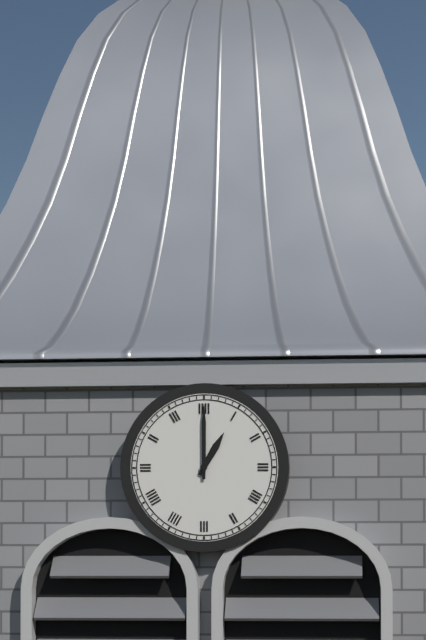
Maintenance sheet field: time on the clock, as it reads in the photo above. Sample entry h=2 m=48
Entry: h=1 m=0
